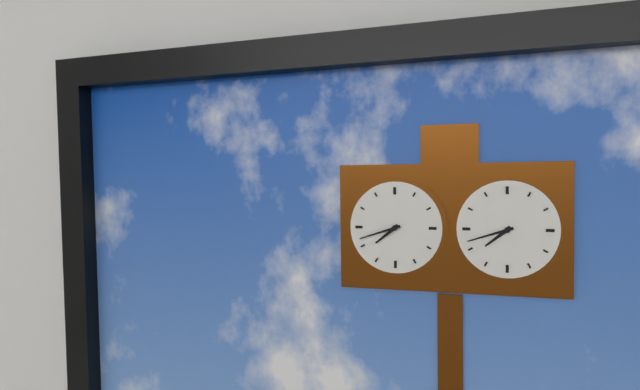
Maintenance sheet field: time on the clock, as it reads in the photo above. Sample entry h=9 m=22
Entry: h=7 m=42
